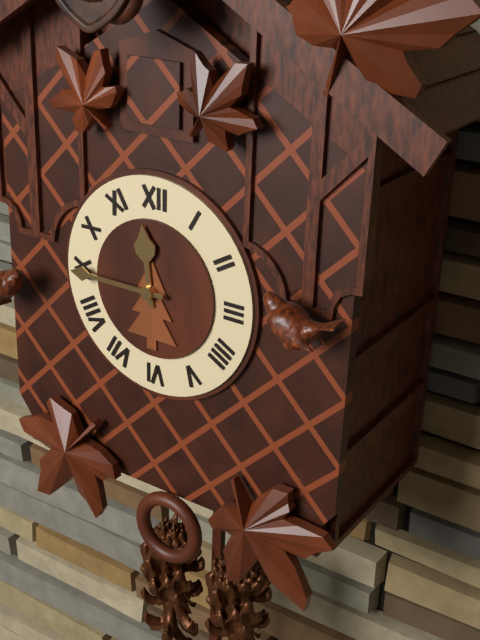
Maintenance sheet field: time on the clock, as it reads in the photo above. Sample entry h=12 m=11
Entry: h=11 m=45
